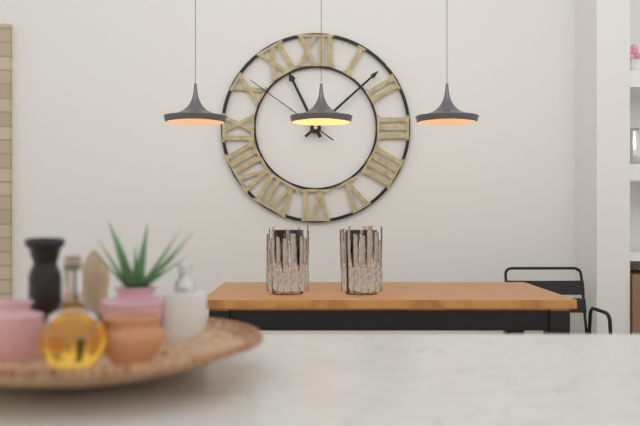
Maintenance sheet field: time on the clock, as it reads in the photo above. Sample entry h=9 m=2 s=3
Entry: h=11 m=8 s=51
